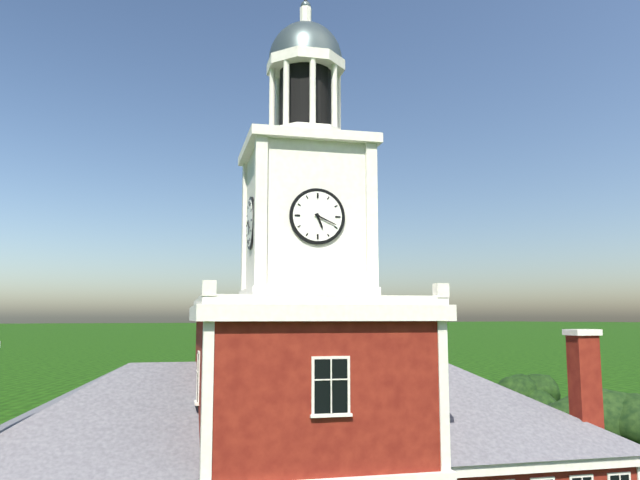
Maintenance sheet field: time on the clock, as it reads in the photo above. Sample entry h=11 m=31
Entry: h=5 m=19
